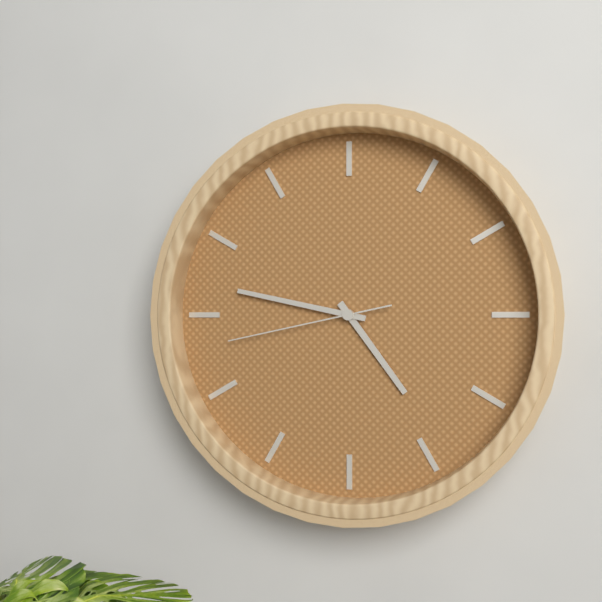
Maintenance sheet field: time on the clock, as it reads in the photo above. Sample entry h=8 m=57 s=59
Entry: h=4 m=47 s=43
